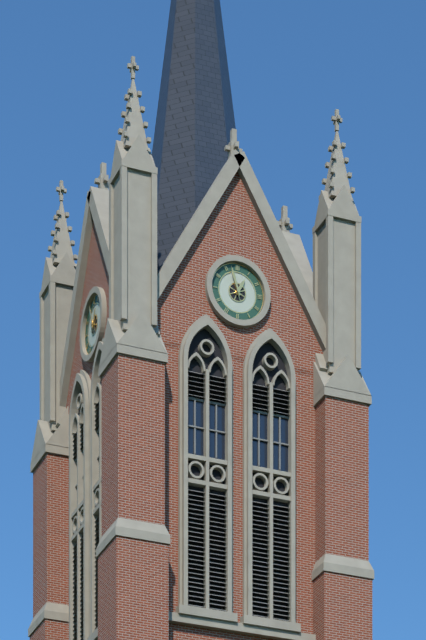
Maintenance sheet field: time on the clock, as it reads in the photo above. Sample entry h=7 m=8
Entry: h=12 m=57
